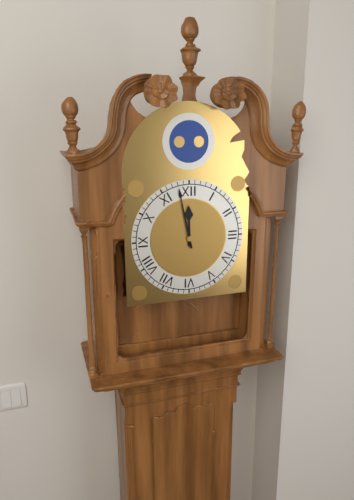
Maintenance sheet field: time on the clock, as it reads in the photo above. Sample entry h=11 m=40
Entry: h=11 m=58
